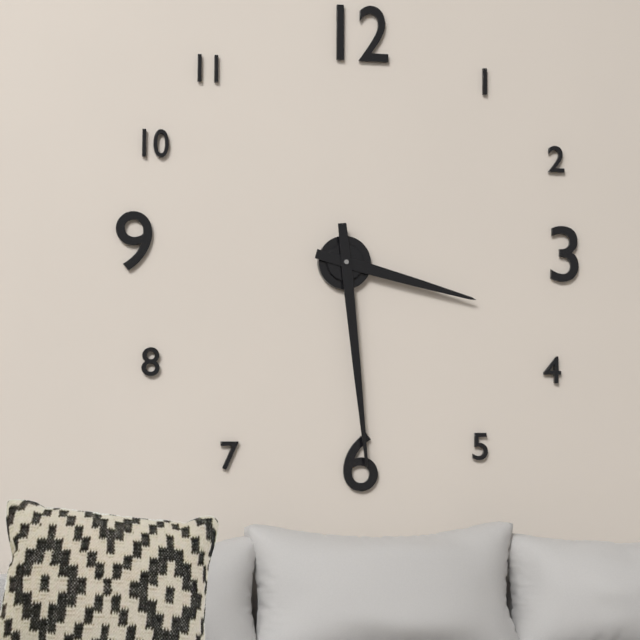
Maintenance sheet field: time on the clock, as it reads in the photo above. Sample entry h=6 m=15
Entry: h=3 m=29
